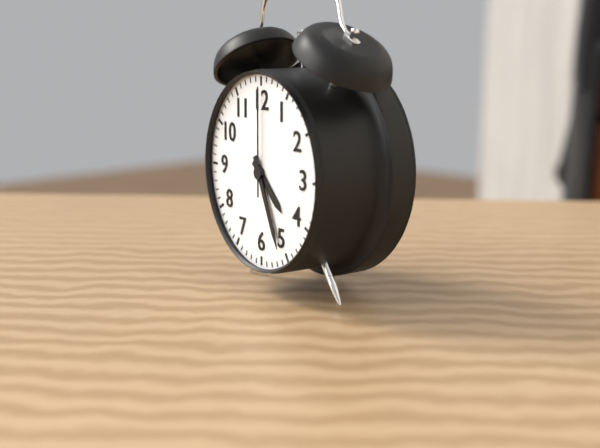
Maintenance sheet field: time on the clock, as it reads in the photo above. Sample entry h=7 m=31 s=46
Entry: h=4 m=26 s=0
